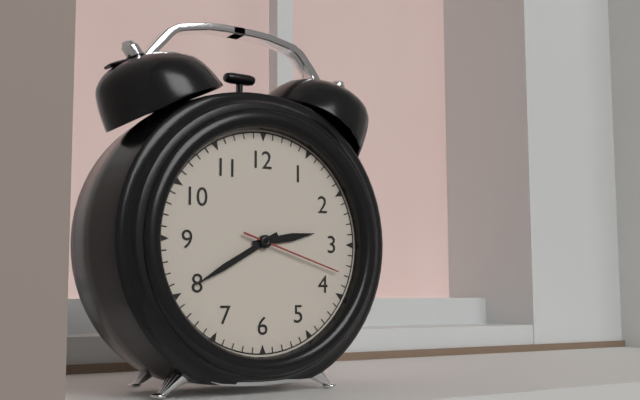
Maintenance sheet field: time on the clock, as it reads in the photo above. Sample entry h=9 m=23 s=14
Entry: h=2 m=40 s=18
